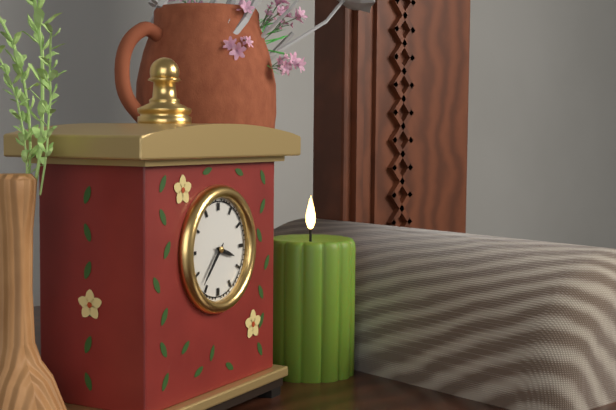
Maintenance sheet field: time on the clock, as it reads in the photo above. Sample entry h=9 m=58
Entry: h=3 m=37
